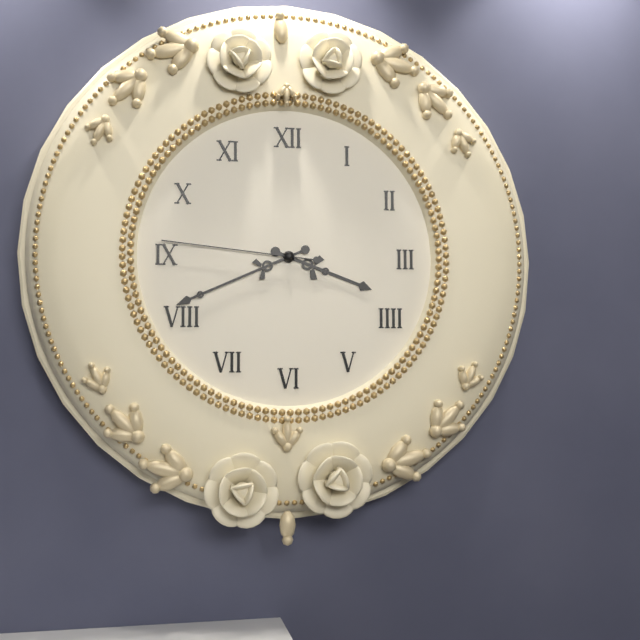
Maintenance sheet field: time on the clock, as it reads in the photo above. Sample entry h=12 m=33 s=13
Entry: h=3 m=41 s=46
